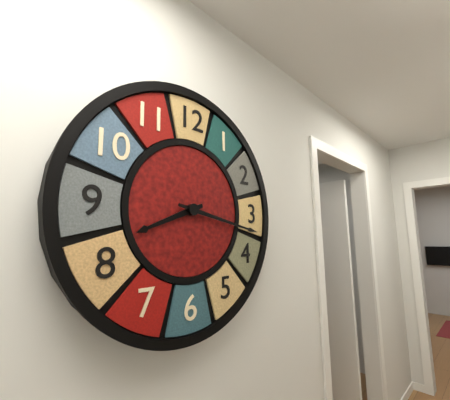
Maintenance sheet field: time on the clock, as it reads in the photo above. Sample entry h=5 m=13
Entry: h=8 m=17
